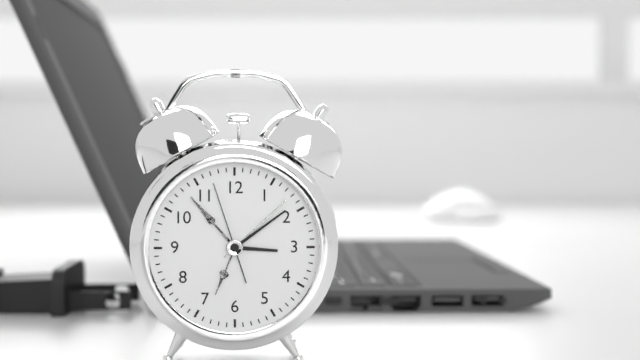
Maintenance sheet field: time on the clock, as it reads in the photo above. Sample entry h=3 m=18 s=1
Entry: h=3 m=9 s=57
